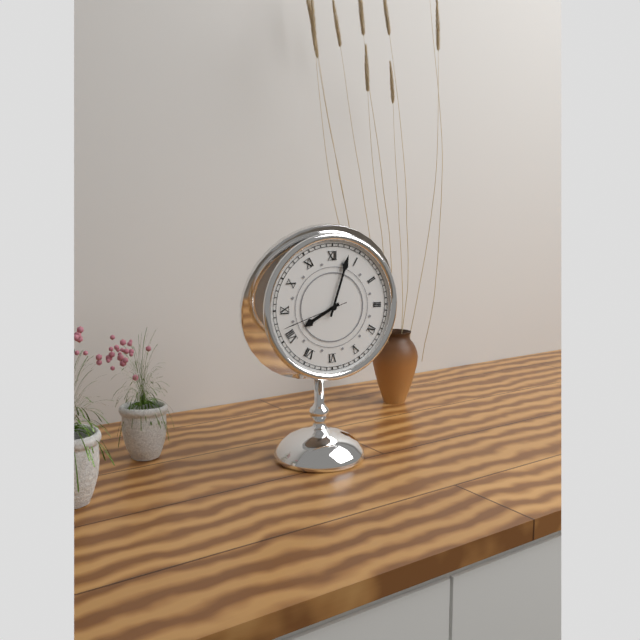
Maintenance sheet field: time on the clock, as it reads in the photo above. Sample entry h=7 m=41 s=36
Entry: h=8 m=3 s=42
